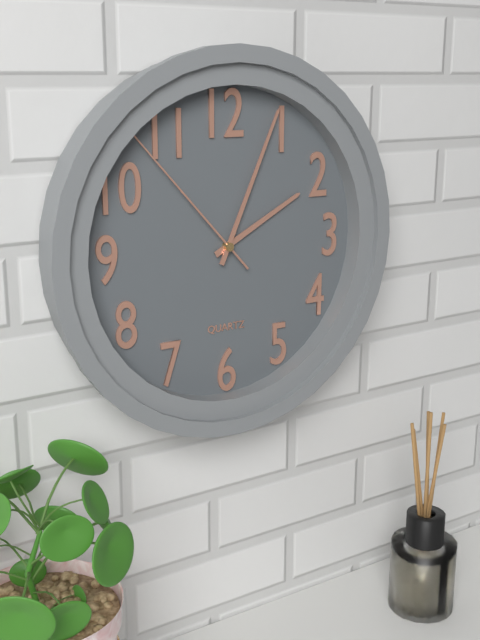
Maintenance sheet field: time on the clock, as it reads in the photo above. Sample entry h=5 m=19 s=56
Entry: h=2 m=4 s=53
